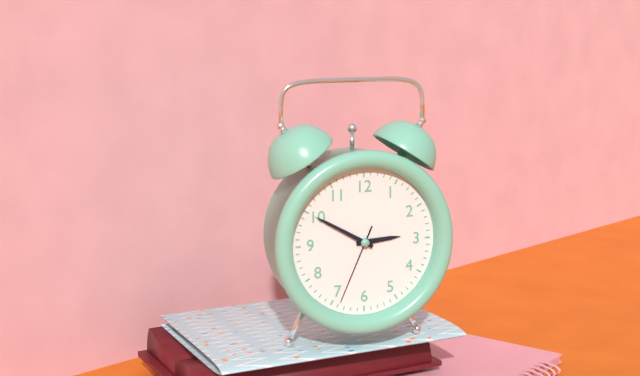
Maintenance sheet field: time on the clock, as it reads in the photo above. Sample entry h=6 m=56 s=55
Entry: h=2 m=50 s=34
